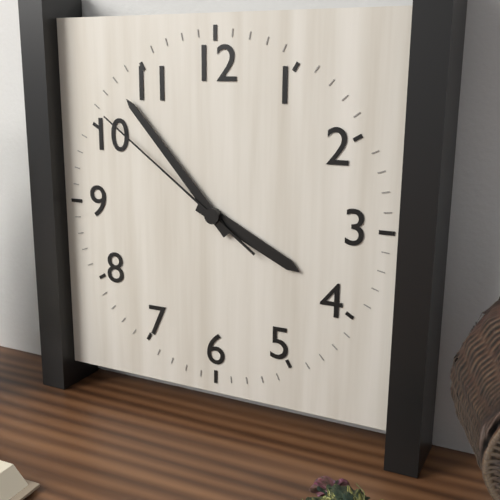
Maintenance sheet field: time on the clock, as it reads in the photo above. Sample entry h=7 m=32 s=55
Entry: h=3 m=53 s=51
